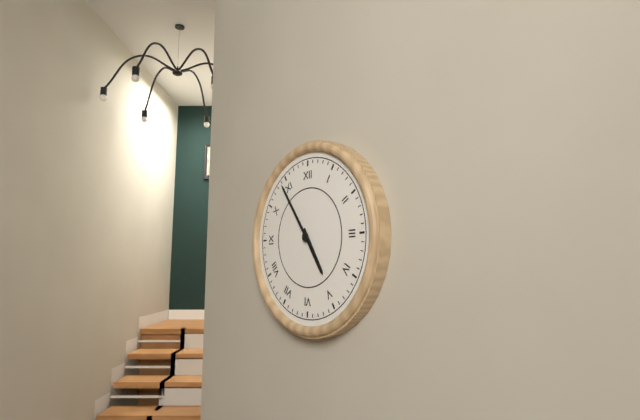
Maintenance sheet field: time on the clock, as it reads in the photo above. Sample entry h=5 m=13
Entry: h=4 m=54
